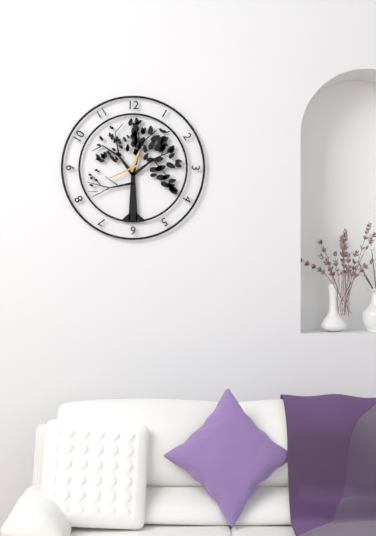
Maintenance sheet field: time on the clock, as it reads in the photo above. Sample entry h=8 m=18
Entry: h=12 m=41
